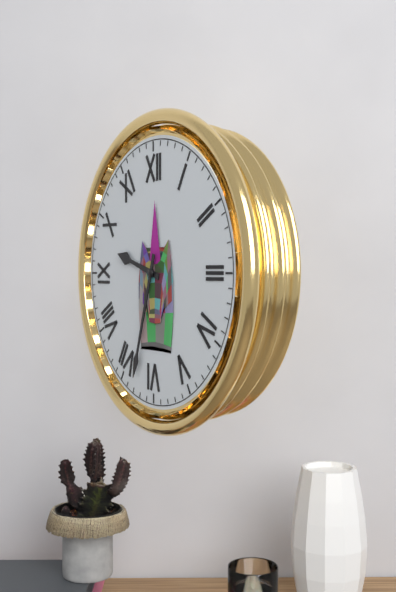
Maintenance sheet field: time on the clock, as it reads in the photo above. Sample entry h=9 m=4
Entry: h=9 m=33
